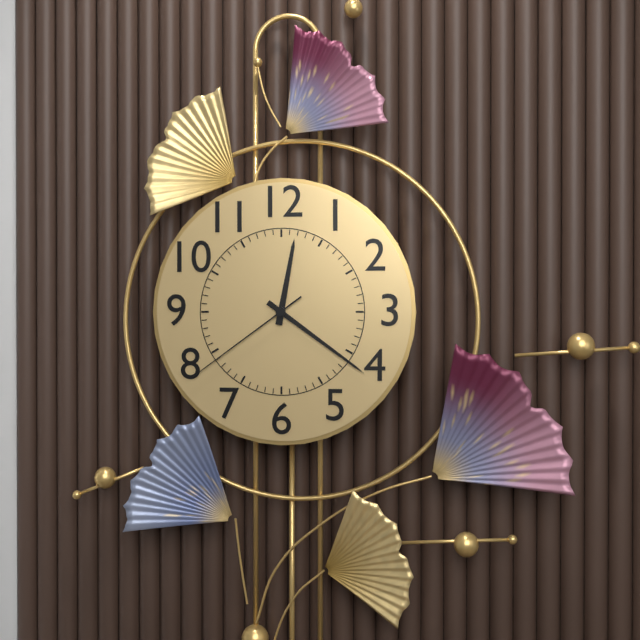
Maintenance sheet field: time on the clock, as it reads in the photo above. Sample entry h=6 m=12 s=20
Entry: h=12 m=21 s=39
